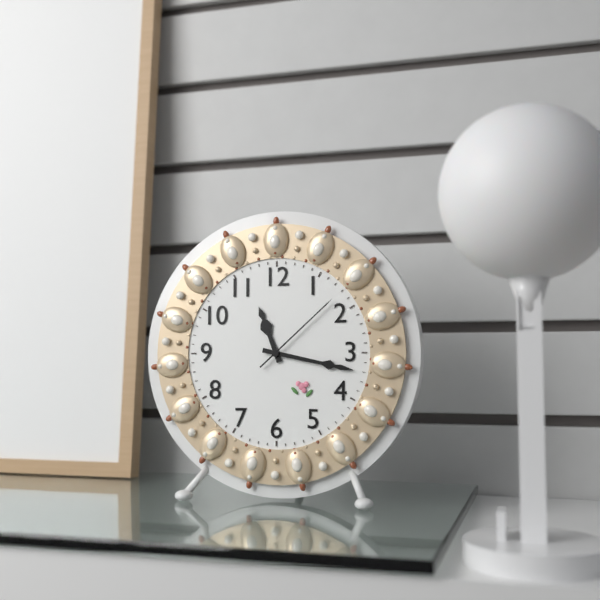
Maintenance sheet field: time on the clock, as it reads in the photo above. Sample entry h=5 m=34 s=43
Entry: h=11 m=17 s=8
